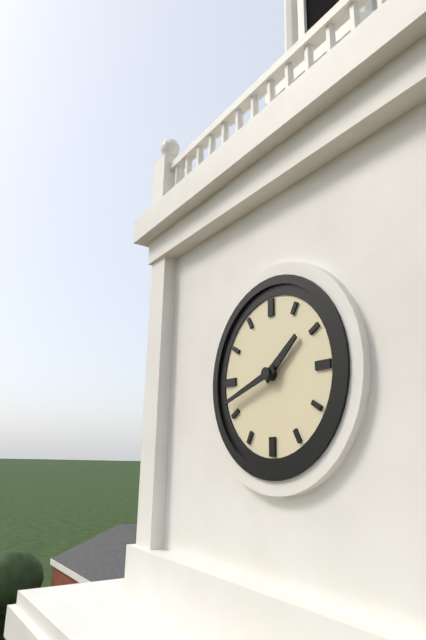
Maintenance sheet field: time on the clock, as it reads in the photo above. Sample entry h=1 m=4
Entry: h=1 m=42
